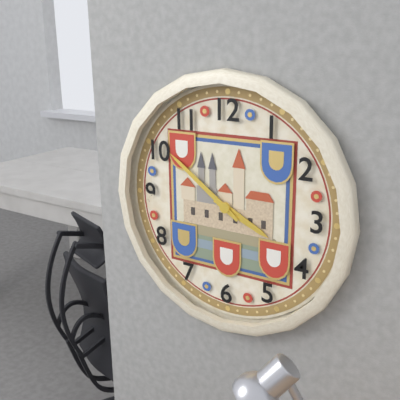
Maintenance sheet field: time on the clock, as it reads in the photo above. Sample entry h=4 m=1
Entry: h=3 m=51
